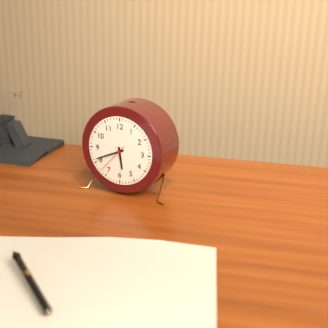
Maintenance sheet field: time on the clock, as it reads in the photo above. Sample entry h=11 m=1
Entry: h=5 m=41
